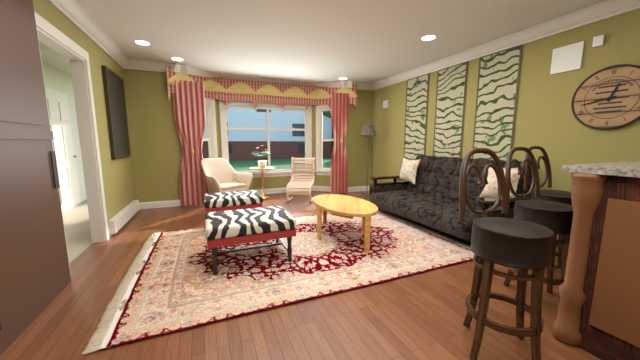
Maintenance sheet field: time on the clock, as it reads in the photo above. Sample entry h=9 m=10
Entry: h=12 m=43
